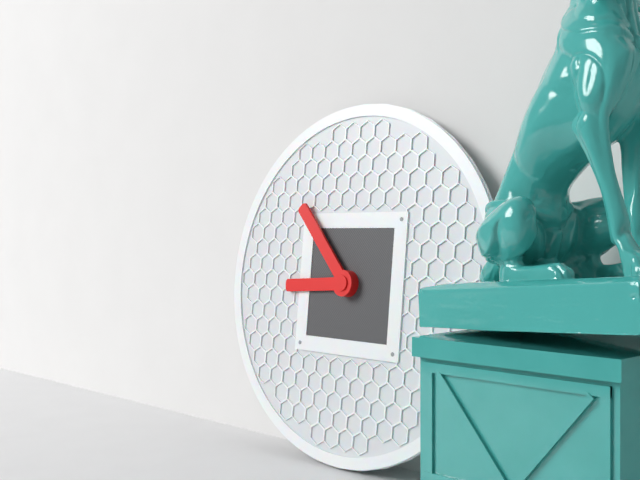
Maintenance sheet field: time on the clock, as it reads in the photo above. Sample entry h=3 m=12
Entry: h=8 m=53
